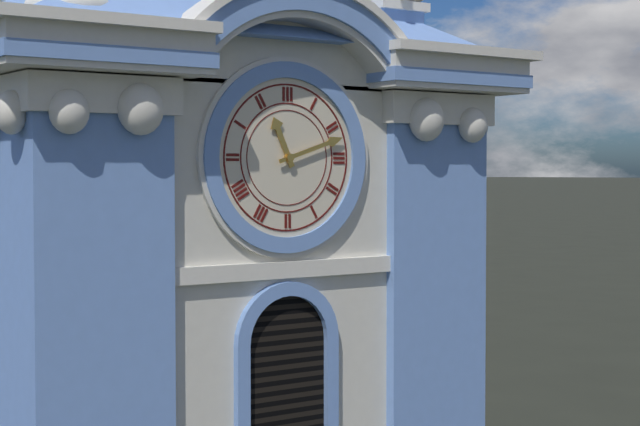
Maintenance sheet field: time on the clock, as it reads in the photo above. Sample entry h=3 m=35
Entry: h=11 m=12
